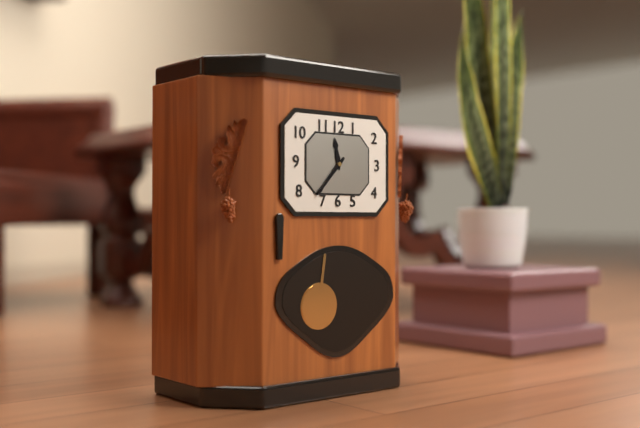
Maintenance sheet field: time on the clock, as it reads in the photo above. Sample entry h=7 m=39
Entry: h=11 m=37
